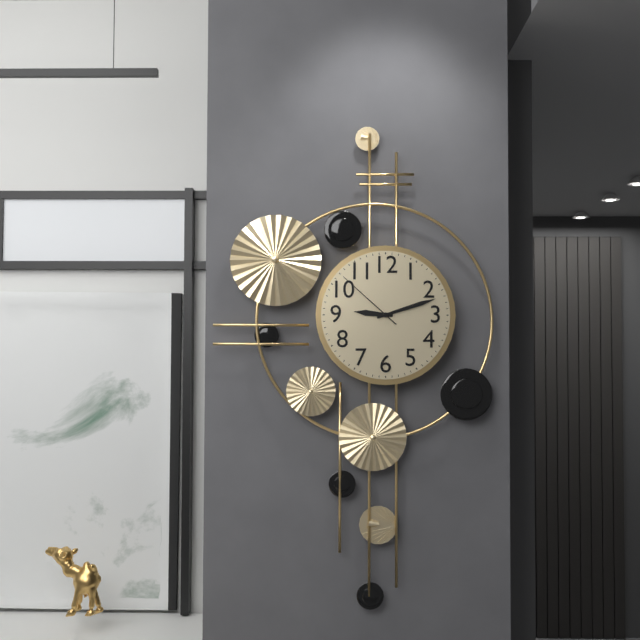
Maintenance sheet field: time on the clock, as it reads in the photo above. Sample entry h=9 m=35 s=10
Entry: h=9 m=12 s=52
